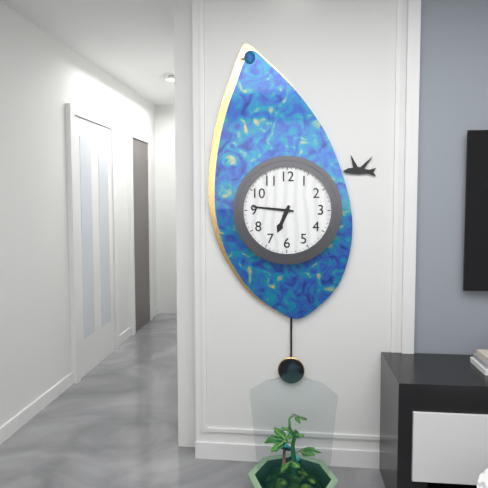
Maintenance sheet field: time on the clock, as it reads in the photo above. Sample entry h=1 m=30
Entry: h=6 m=46
